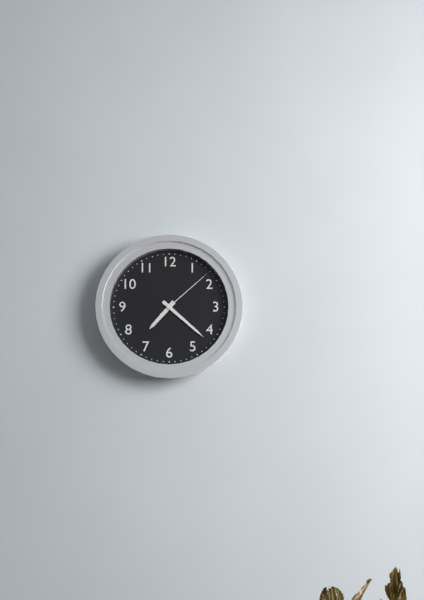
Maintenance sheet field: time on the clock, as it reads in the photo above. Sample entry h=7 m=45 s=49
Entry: h=7 m=22 s=8
